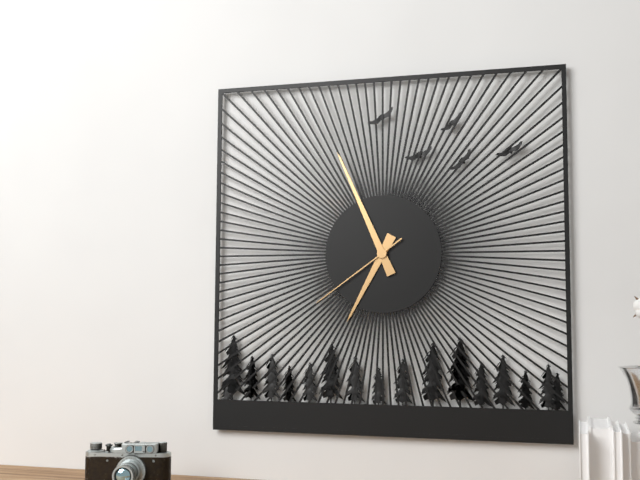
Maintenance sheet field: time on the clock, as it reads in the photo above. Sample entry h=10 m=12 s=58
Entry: h=6 m=56 s=39
